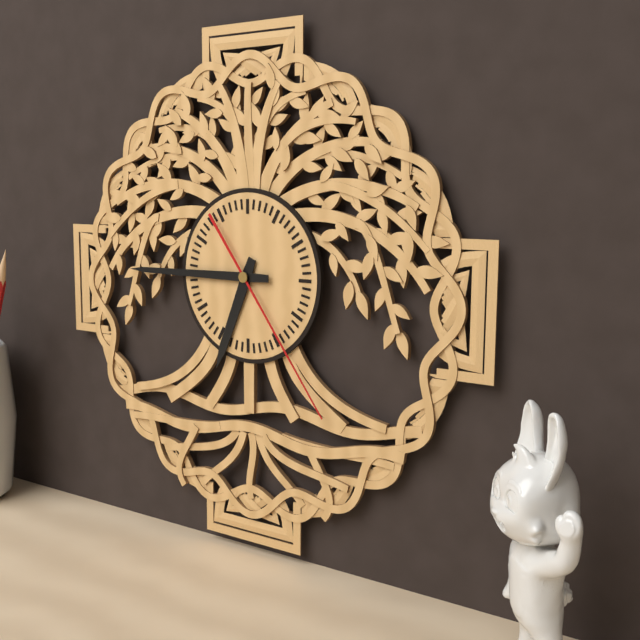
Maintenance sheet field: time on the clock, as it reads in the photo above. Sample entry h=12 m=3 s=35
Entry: h=6 m=45 s=24
